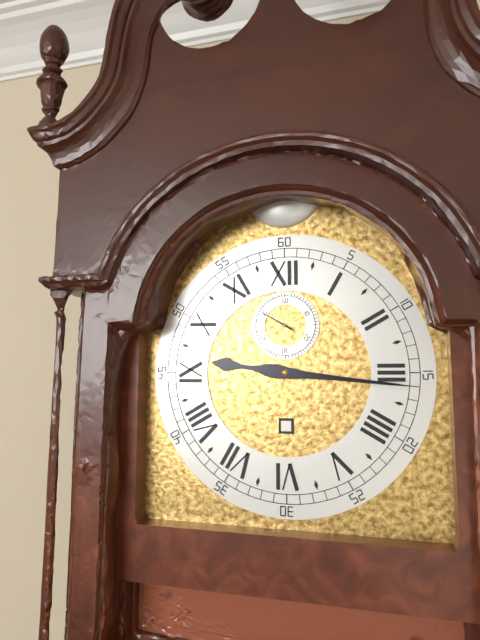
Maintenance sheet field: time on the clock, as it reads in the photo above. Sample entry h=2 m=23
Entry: h=9 m=16
